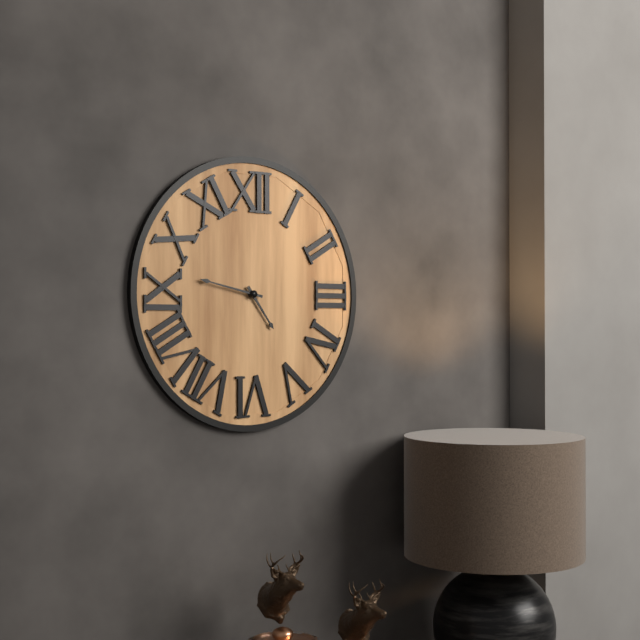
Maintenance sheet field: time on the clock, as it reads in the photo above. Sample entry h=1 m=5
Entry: h=4 m=47
